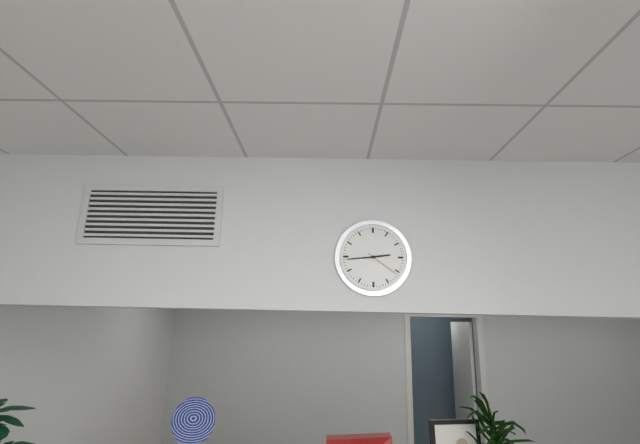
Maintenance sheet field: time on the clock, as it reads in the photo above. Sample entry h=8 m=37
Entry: h=2 m=44
